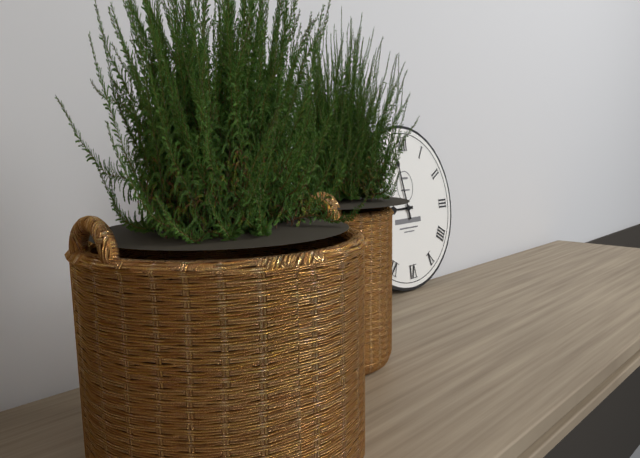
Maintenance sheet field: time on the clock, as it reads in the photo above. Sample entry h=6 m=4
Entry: h=8 m=58
